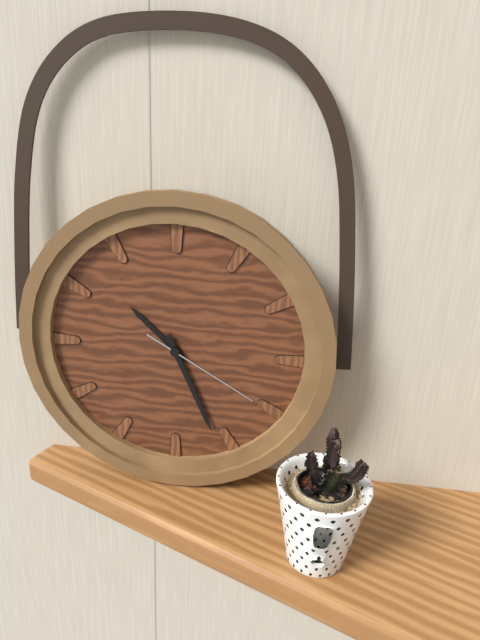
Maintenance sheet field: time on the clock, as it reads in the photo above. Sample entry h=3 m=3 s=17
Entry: h=10 m=26 s=20
